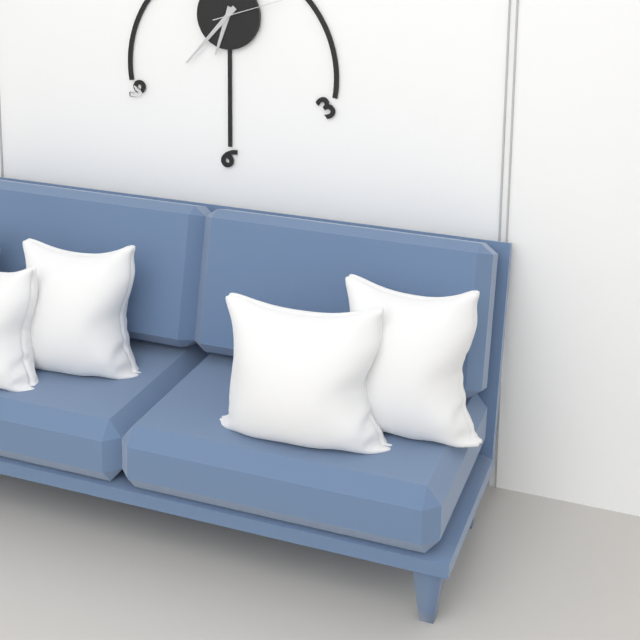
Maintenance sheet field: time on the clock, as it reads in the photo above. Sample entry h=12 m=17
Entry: h=6 m=37
